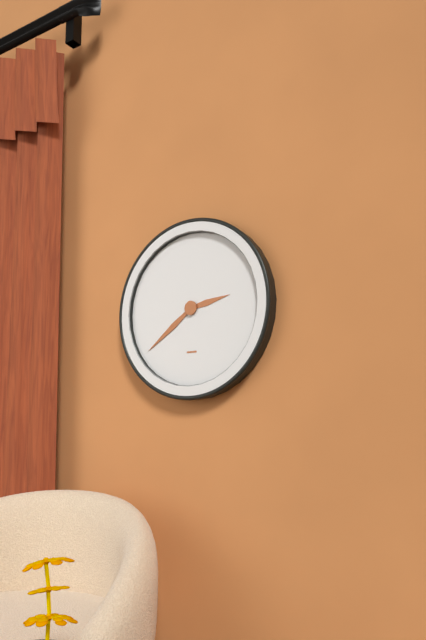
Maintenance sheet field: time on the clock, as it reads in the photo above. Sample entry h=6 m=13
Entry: h=2 m=39
